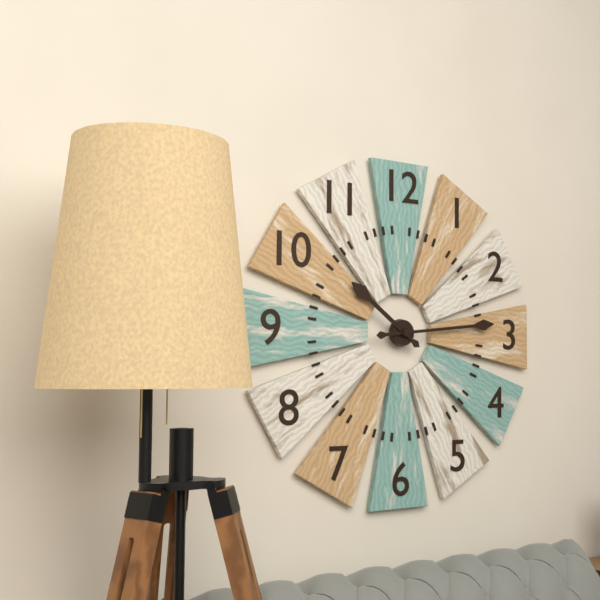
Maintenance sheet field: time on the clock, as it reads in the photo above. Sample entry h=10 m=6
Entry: h=10 m=14
